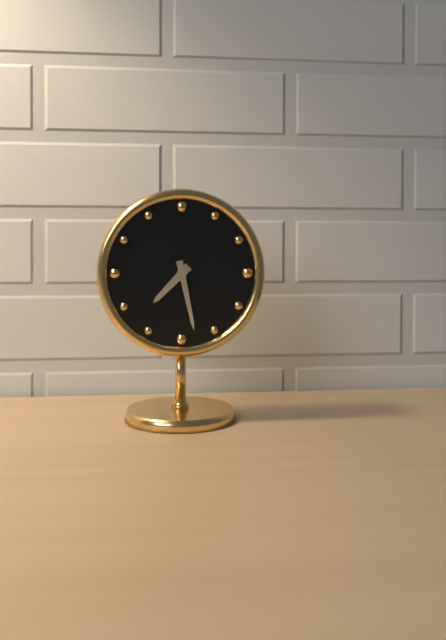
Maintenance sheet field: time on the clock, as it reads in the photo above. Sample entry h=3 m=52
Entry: h=7 m=28
